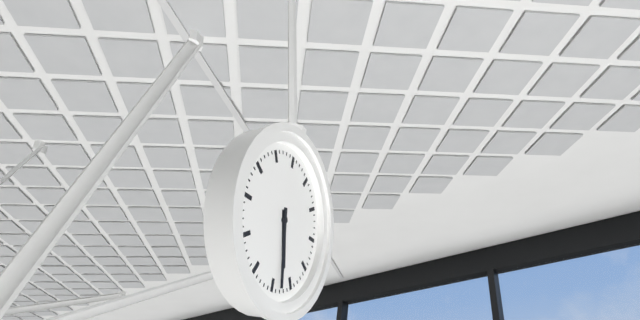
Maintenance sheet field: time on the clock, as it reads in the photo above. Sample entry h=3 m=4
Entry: h=5 m=28
